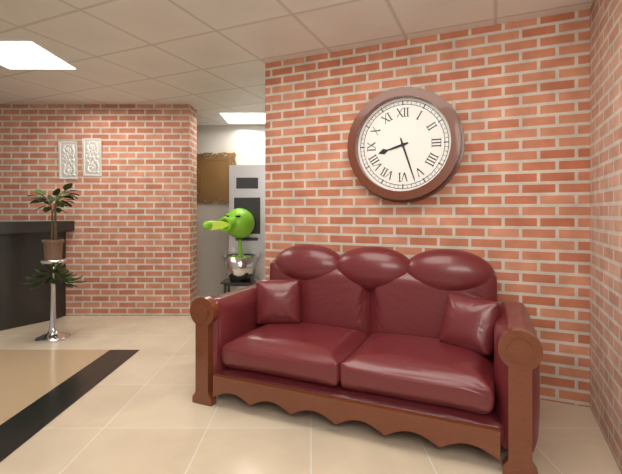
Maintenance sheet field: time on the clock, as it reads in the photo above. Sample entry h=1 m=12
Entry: h=8 m=27
